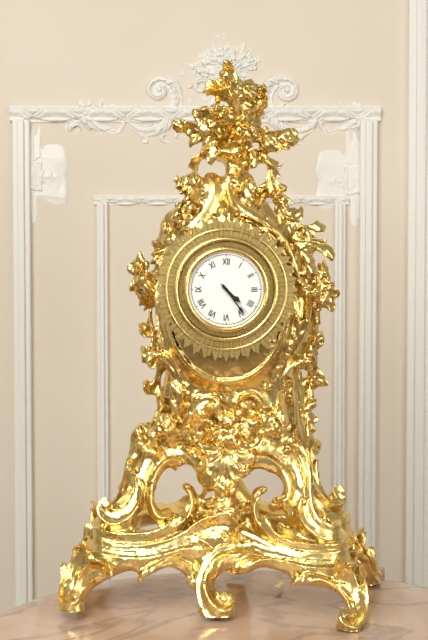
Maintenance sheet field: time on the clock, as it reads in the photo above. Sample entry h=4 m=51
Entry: h=4 m=24
